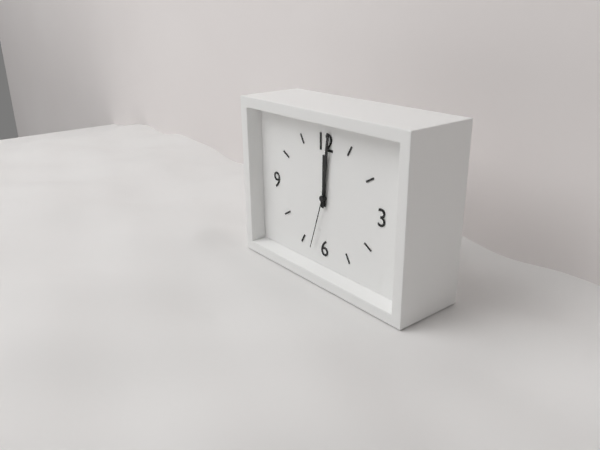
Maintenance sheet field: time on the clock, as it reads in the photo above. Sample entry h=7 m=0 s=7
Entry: h=12 m=1 s=33
